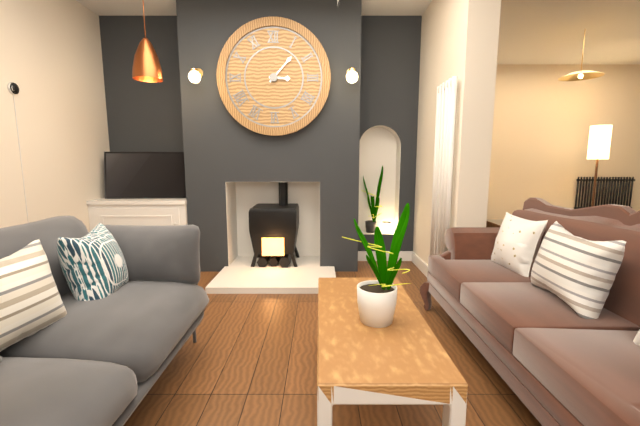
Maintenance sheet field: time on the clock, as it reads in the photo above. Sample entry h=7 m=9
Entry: h=3 m=7
